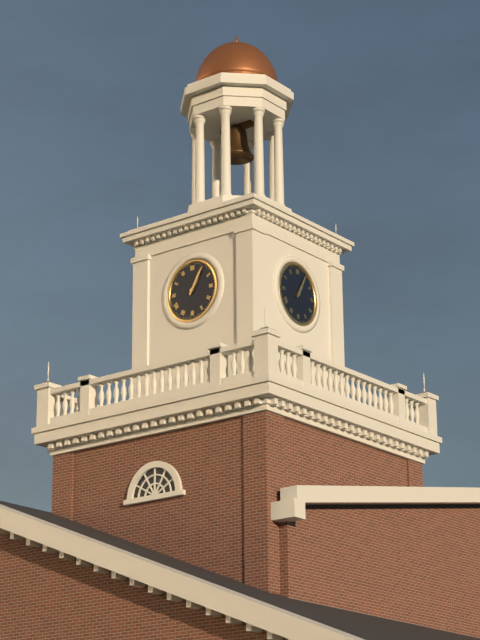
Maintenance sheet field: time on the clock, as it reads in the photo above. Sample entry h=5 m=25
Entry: h=1 m=5
